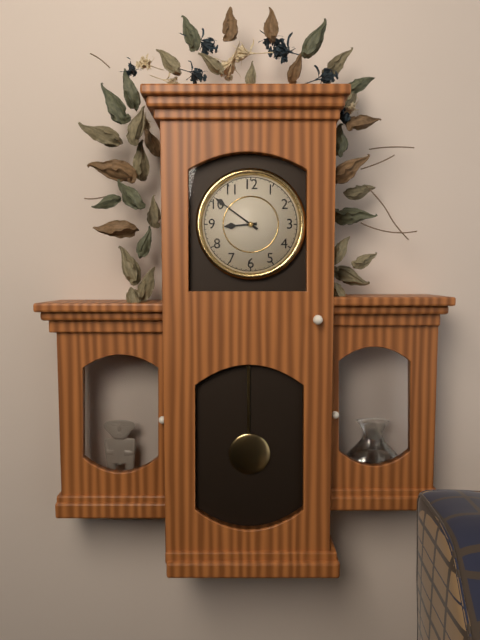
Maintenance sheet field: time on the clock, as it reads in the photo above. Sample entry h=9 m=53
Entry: h=8 m=51
